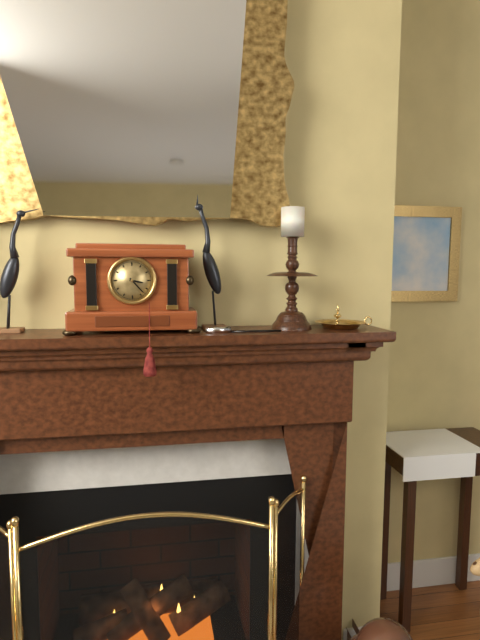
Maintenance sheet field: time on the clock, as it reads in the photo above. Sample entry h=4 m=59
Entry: h=3 m=23
